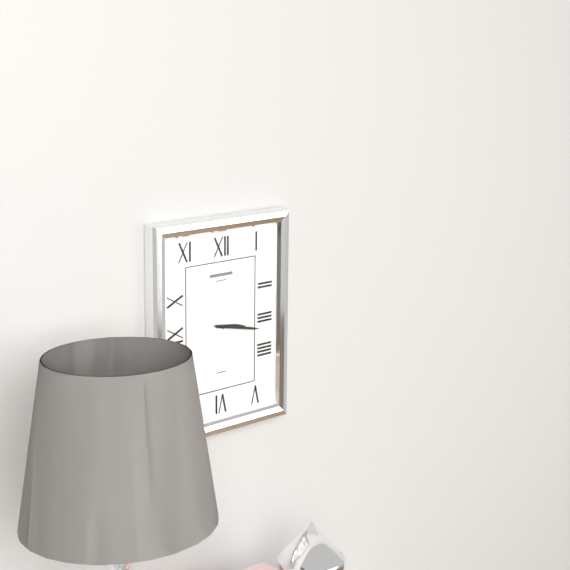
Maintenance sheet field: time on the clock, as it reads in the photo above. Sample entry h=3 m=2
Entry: h=3 m=17
